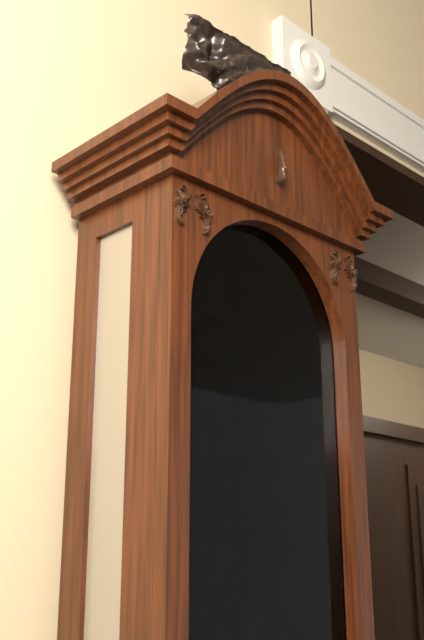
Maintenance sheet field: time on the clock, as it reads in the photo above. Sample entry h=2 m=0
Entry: h=6 m=56
